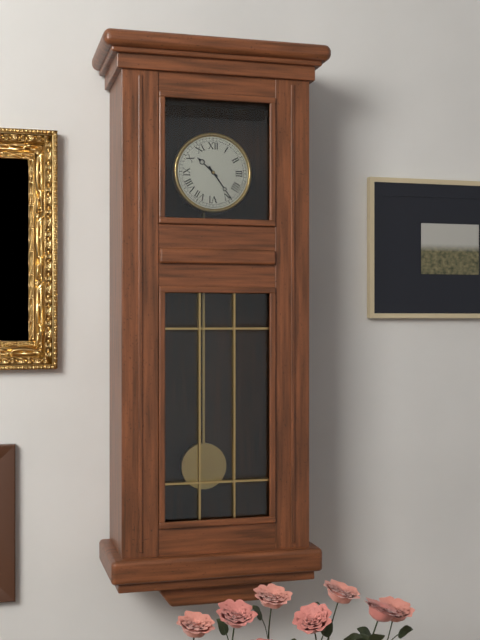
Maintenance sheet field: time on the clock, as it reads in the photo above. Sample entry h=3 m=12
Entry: h=10 m=24
